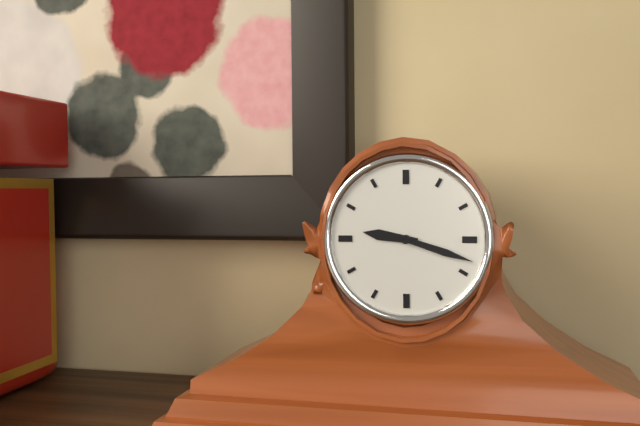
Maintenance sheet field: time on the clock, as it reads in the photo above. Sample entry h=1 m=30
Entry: h=9 m=18
